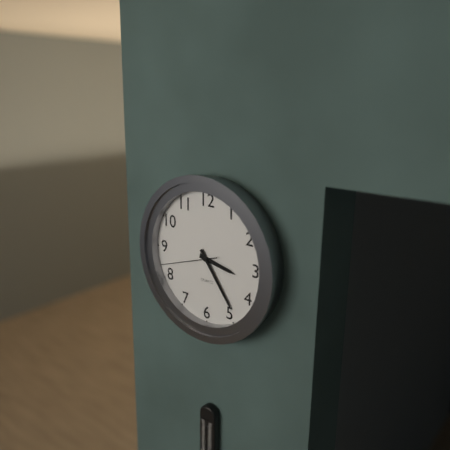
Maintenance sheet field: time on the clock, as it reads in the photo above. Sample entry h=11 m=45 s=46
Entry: h=3 m=24 s=42
